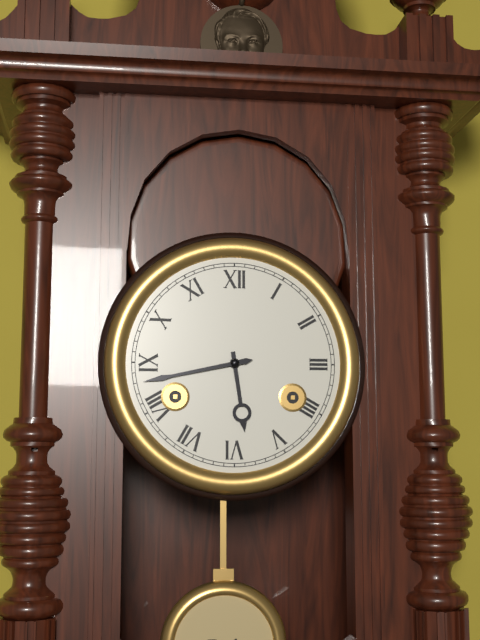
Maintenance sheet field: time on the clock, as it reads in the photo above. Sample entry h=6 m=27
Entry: h=5 m=43
